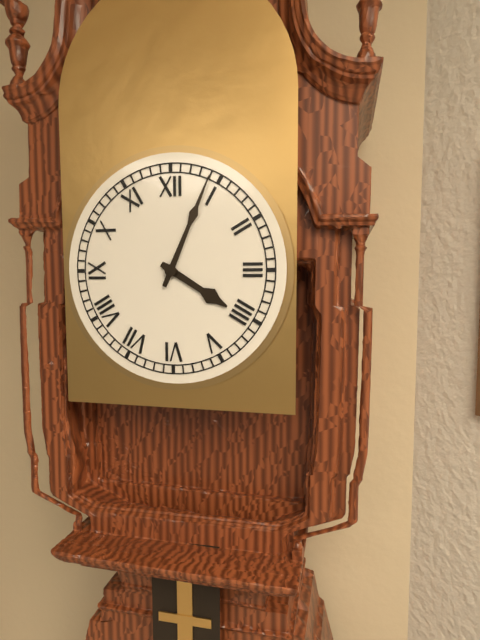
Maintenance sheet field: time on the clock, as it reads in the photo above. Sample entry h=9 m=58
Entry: h=4 m=4
